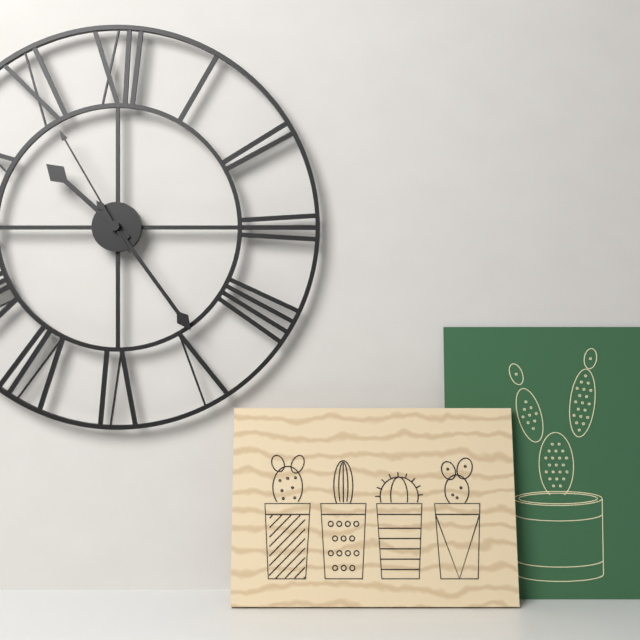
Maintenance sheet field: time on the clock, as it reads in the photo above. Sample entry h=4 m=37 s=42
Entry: h=10 m=24 s=55
